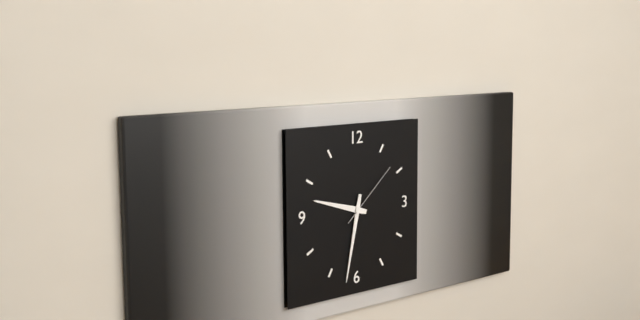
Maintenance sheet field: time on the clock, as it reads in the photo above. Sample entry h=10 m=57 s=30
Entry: h=9 m=32 s=8
